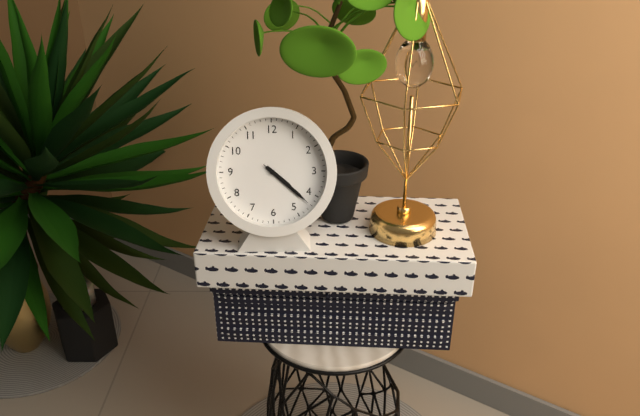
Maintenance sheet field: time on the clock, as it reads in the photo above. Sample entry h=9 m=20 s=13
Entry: h=4 m=22 s=22
